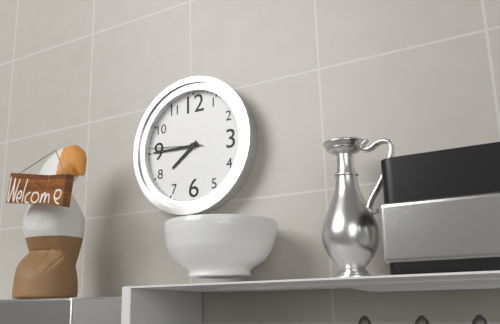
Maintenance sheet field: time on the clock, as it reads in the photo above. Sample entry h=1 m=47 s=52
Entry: h=7 m=45 s=46
